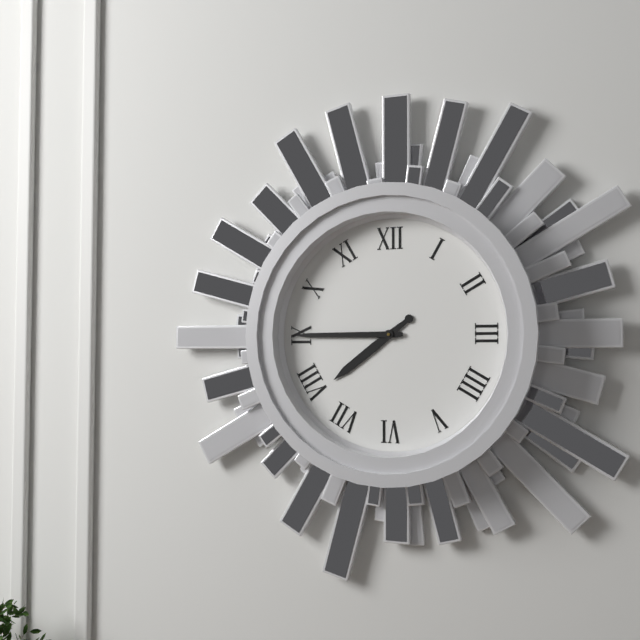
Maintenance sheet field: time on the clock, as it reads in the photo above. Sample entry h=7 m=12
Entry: h=7 m=45
